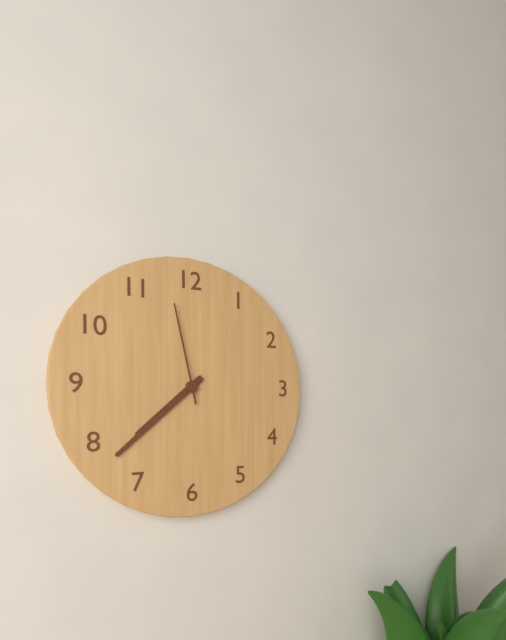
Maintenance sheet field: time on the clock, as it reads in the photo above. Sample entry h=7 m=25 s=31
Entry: h=7 m=38 s=58
